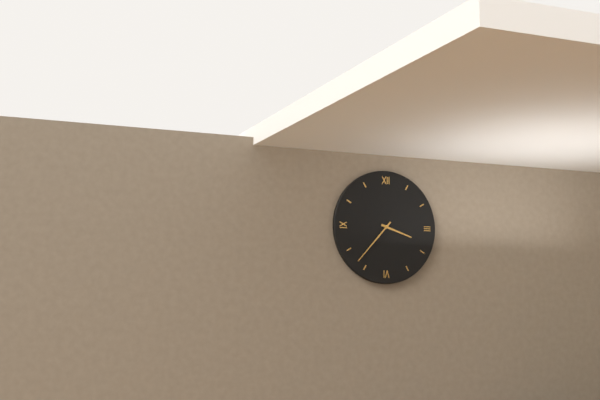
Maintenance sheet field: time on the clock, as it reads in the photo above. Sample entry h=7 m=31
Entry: h=3 m=37
